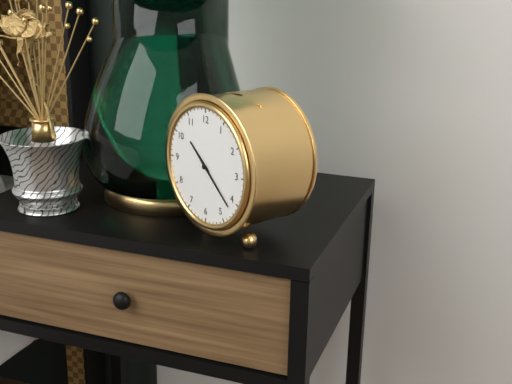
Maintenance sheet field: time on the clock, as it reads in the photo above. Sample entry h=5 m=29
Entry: h=10 m=22
